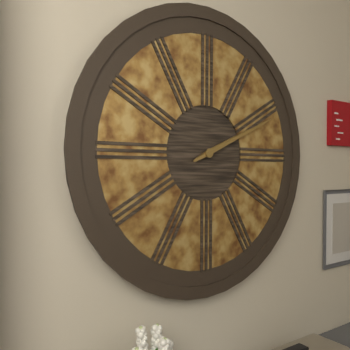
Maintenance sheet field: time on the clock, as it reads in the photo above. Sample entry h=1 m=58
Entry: h=2 m=11
